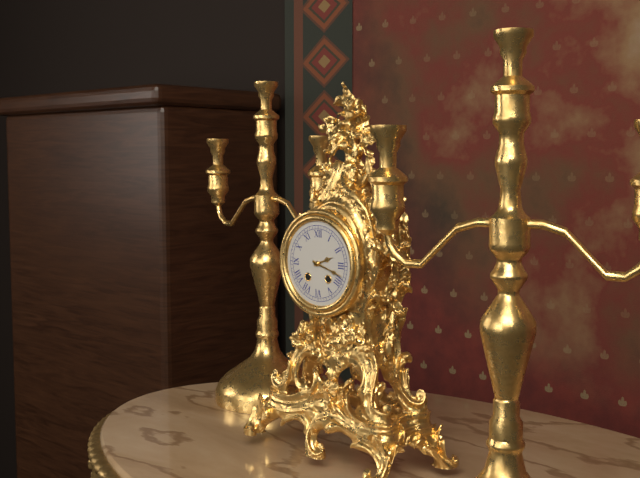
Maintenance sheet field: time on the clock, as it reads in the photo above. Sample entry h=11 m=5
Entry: h=2 m=18
